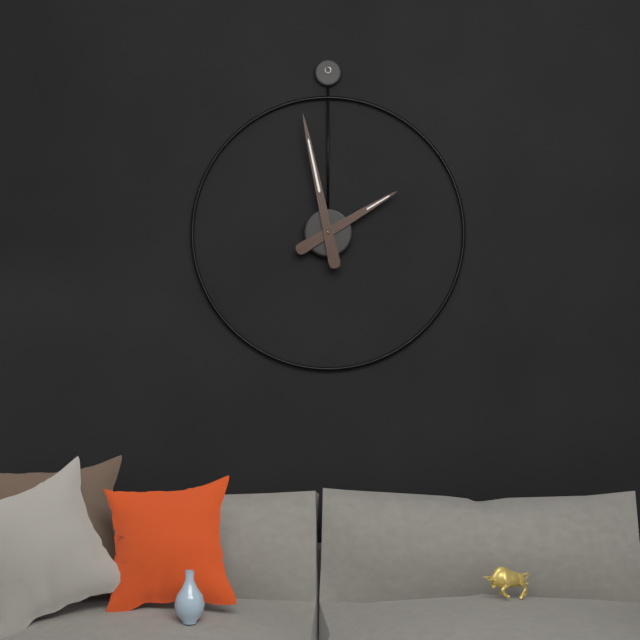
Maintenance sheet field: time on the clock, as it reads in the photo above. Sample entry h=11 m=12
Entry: h=1 m=58
